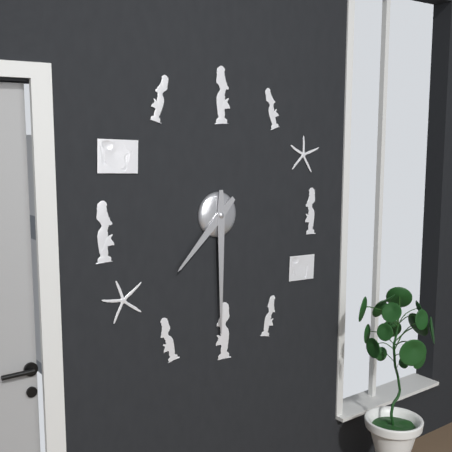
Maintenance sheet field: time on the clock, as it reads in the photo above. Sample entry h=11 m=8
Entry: h=7 m=30
